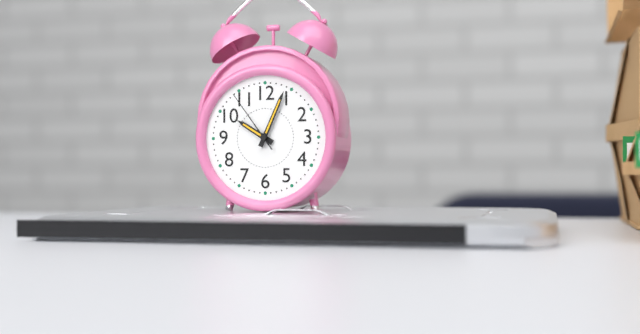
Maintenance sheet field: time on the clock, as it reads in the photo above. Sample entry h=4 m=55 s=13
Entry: h=10 m=4 s=54
